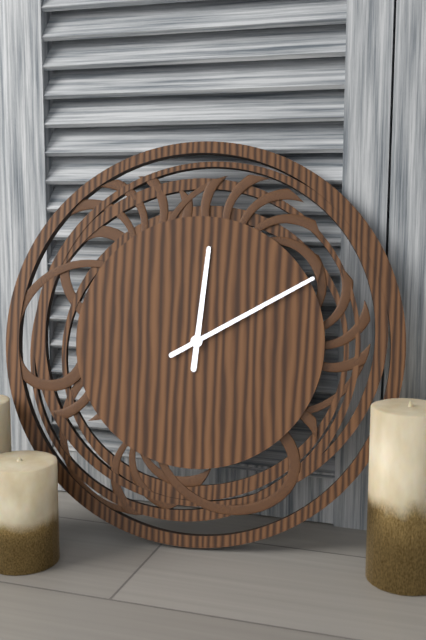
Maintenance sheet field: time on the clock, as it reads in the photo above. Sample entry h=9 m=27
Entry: h=12 m=10
